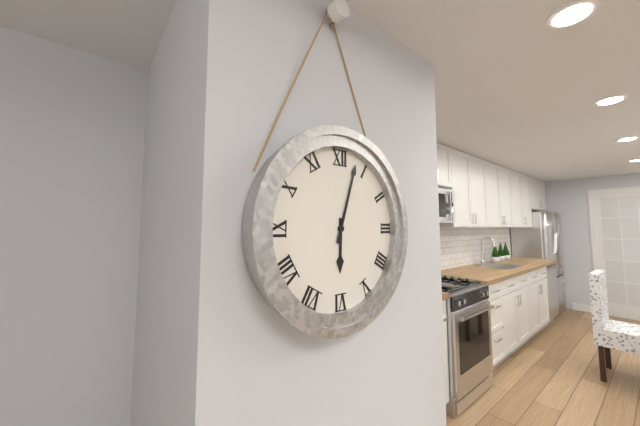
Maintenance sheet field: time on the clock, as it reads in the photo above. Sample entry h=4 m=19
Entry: h=6 m=3
